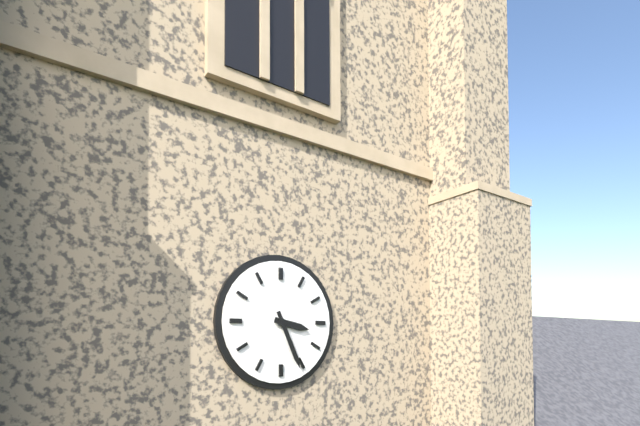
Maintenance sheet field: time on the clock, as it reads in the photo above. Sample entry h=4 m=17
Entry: h=3 m=26
